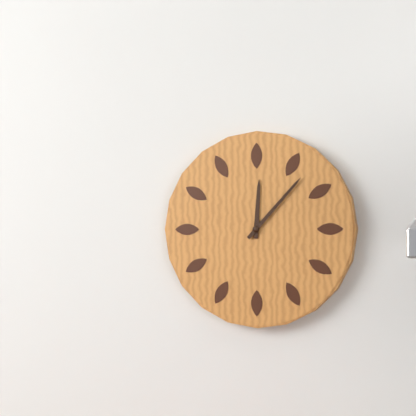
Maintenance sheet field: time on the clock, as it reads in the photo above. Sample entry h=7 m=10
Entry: h=12 m=7
